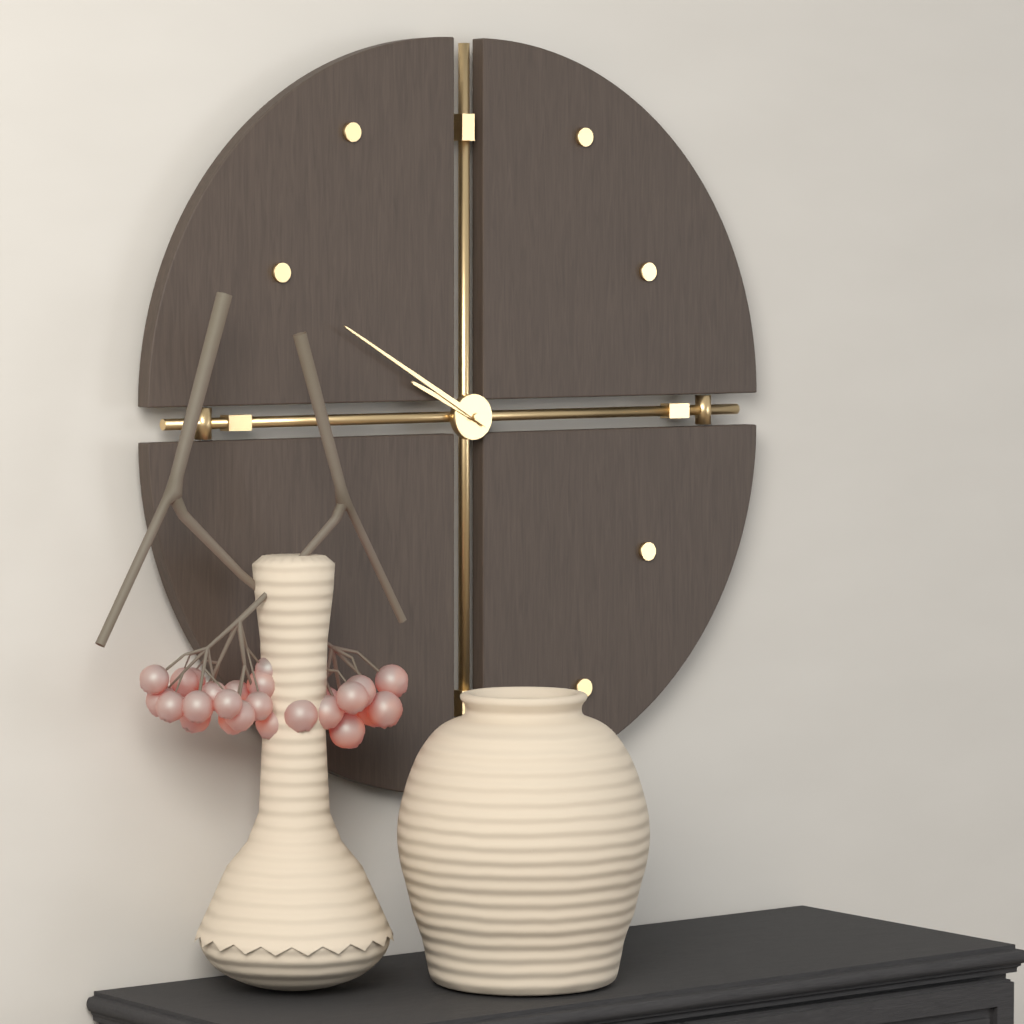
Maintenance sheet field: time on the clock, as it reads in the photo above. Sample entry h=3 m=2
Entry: h=9 m=50
